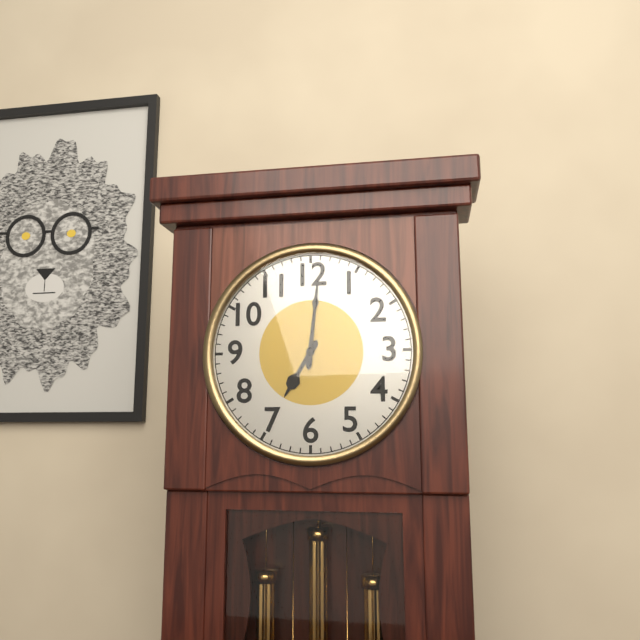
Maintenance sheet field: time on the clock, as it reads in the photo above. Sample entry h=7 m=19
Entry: h=7 m=1
